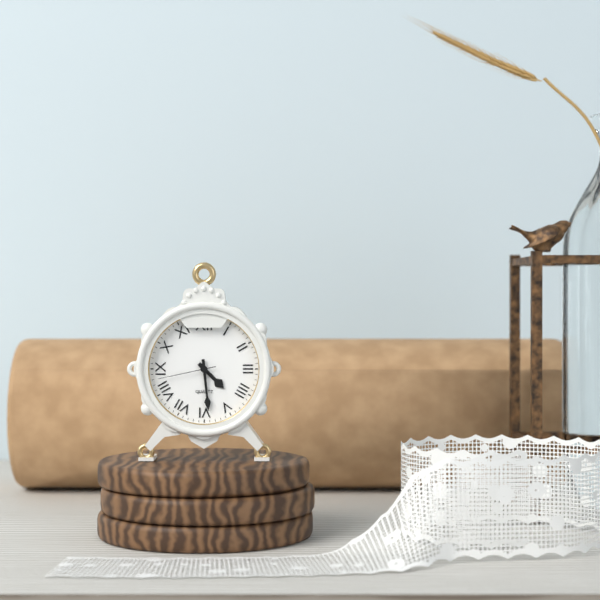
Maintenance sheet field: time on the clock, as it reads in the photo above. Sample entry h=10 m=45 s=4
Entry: h=4 m=29 s=43
